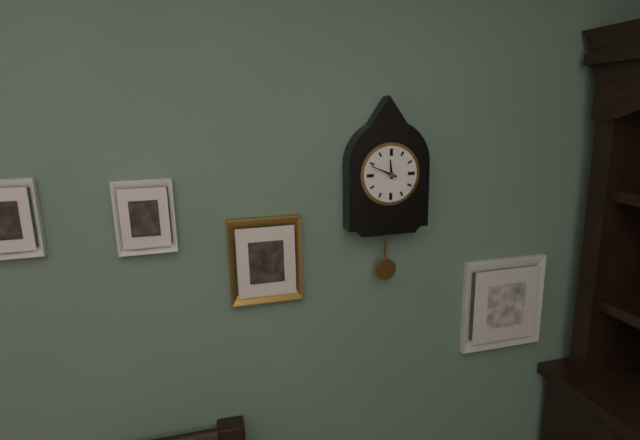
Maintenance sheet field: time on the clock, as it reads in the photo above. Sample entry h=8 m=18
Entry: h=11 m=49
